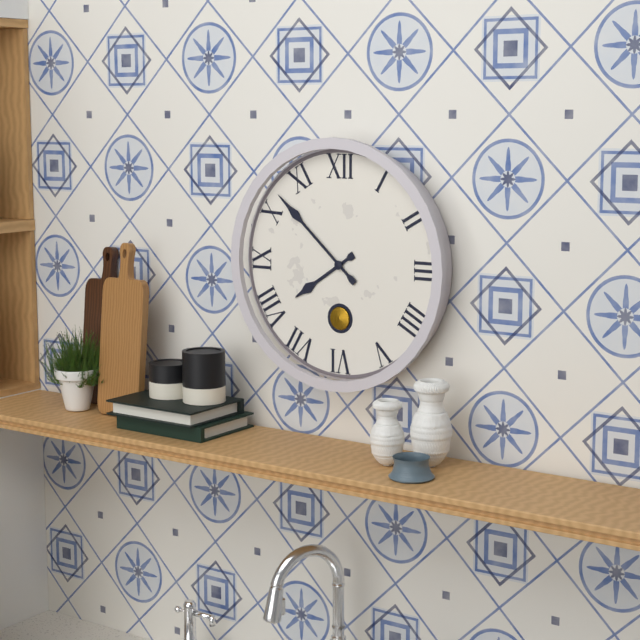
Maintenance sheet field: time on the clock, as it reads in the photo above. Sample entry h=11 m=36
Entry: h=7 m=52
